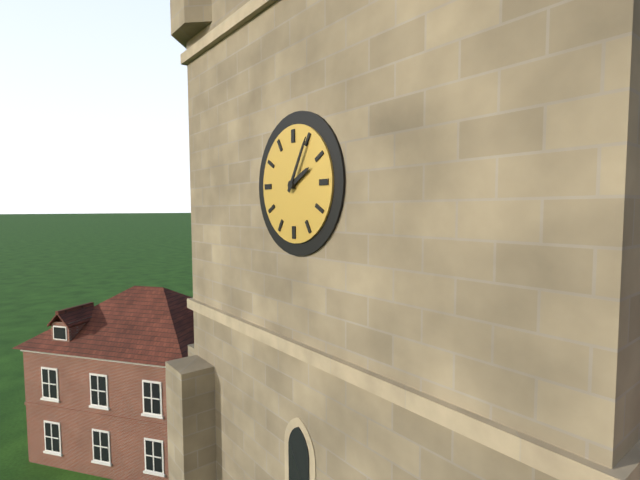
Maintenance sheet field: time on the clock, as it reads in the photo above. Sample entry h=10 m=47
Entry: h=2 m=5
